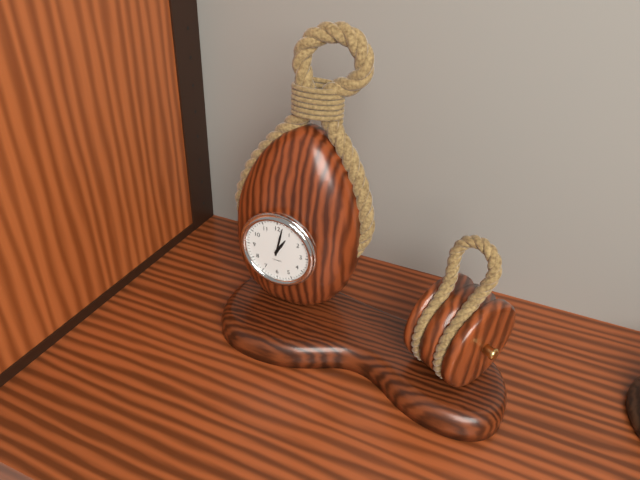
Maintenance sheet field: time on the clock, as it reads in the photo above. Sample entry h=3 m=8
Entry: h=1 m=2
